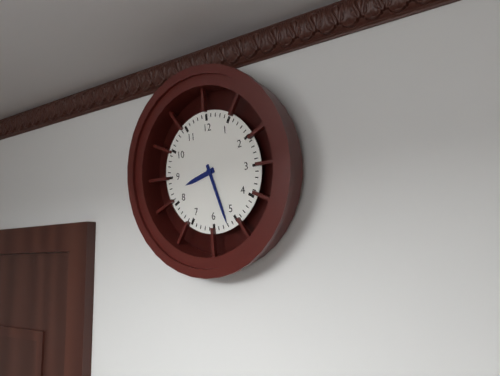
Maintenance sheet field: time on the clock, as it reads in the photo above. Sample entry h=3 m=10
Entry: h=8 m=27
